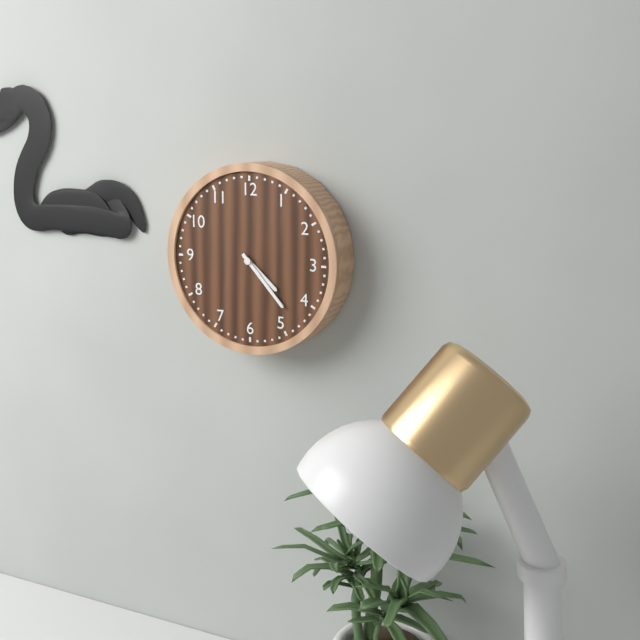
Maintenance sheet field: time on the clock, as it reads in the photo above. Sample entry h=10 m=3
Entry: h=4 m=23
